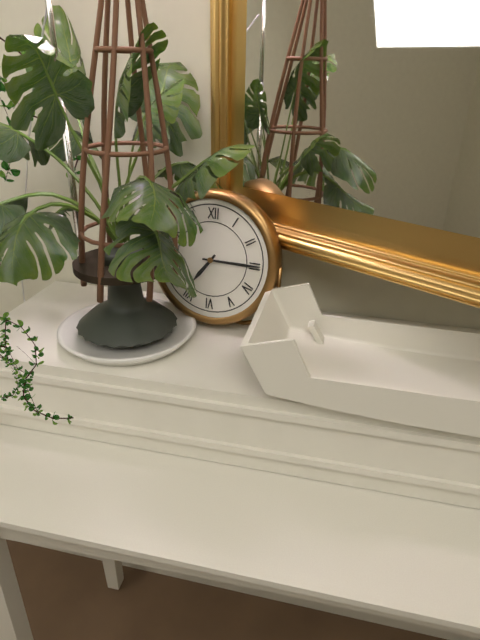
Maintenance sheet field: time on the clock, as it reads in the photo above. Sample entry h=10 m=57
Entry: h=7 m=15
